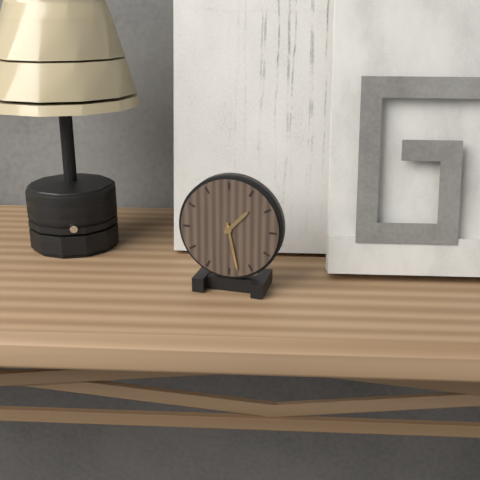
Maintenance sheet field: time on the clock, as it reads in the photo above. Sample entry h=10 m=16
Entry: h=1 m=28
